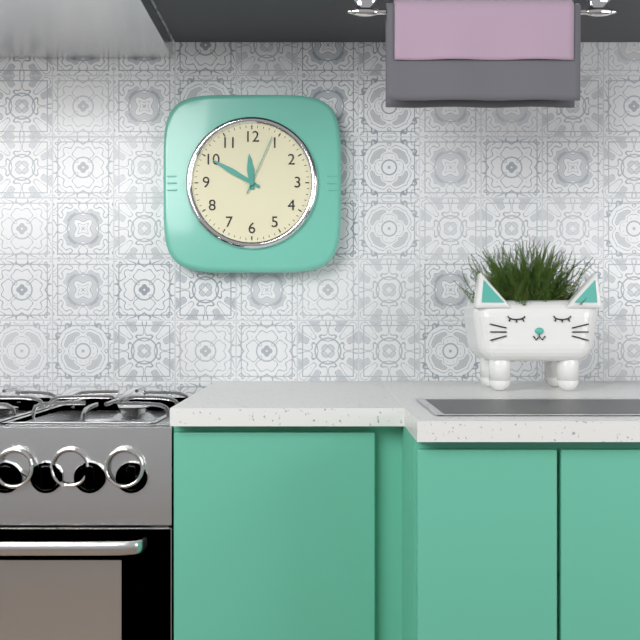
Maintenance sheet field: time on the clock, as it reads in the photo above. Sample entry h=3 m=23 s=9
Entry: h=11 m=50 s=4
